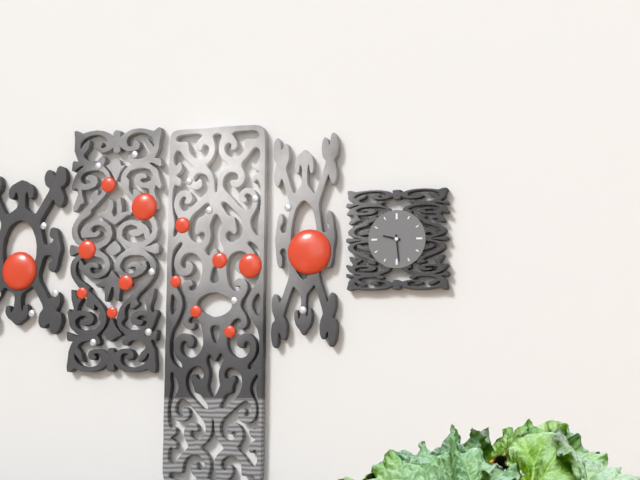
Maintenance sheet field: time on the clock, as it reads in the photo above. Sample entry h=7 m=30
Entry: h=9 m=29
